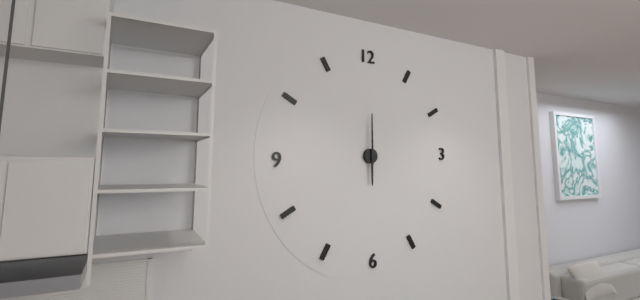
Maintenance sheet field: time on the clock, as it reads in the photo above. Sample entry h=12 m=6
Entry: h=6 m=0
